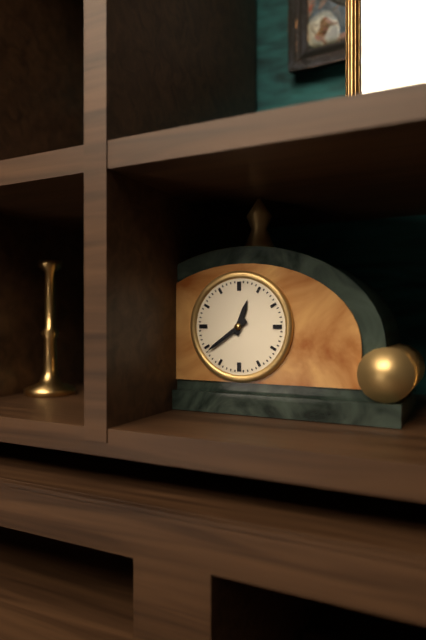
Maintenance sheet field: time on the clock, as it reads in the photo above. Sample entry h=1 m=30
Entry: h=12 m=39
